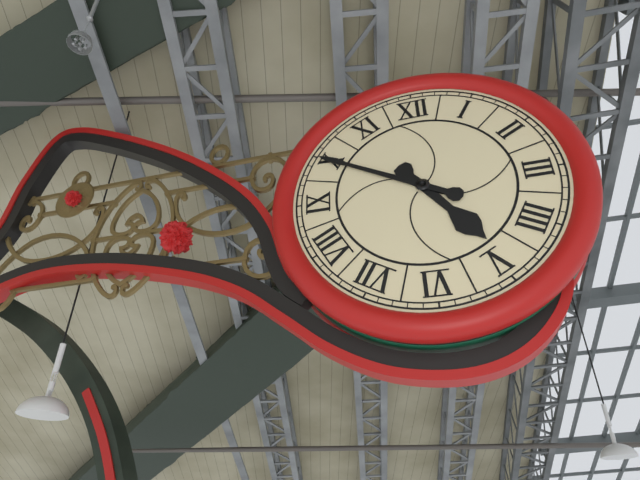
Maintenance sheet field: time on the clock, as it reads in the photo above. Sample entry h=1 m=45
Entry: h=4 m=50
